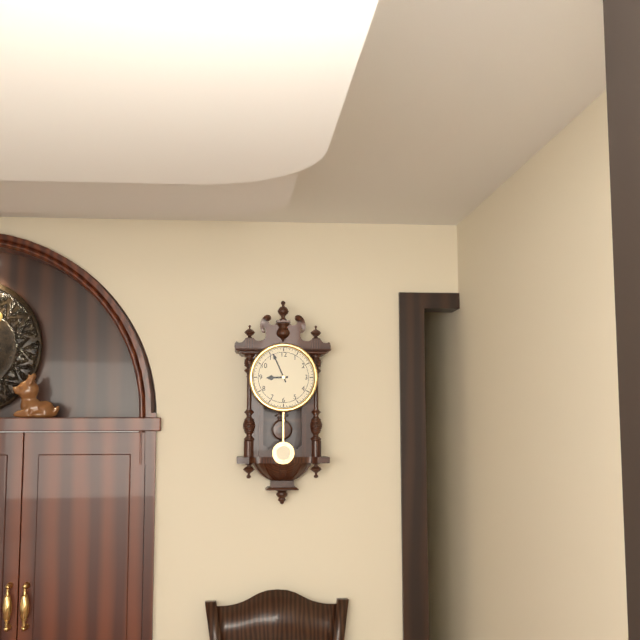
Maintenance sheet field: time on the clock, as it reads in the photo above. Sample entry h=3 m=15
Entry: h=8 m=56
